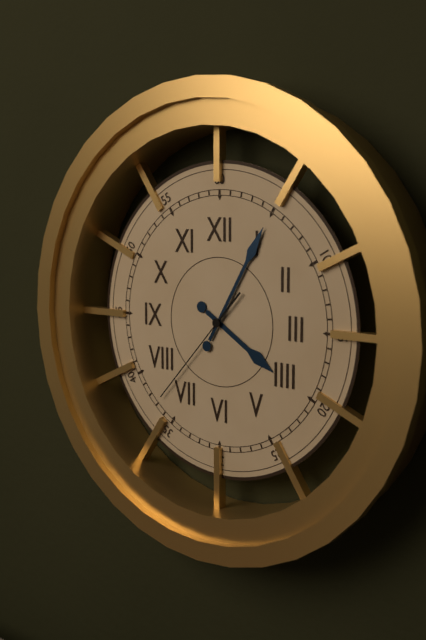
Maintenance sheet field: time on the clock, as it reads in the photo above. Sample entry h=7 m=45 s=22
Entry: h=4 m=5 s=37
